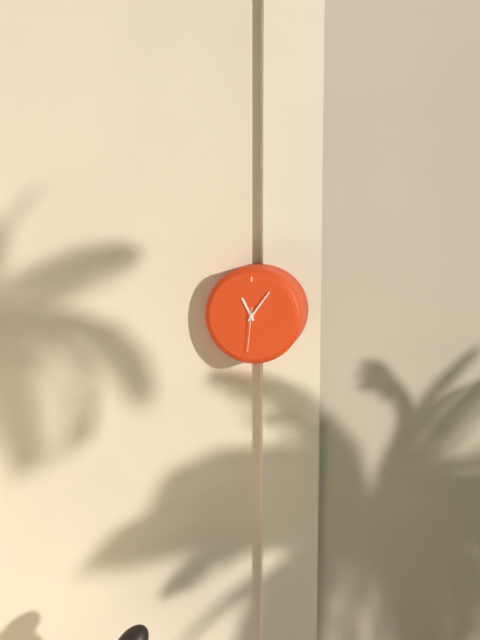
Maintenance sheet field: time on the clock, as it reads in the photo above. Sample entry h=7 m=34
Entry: h=11 m=6
